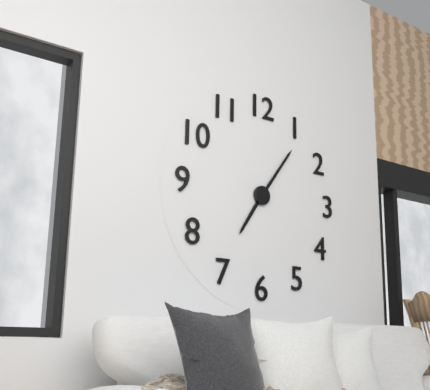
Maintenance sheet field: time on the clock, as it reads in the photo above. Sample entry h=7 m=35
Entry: h=7 m=6
